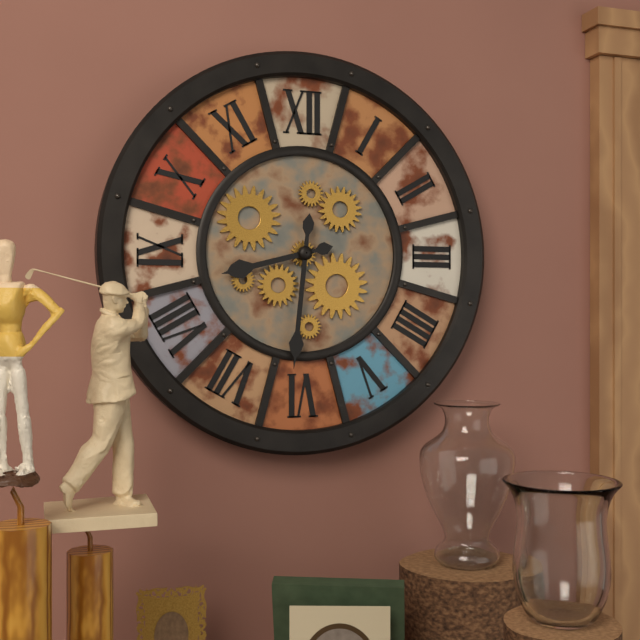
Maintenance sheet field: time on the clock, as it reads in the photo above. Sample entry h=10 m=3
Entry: h=8 m=31
